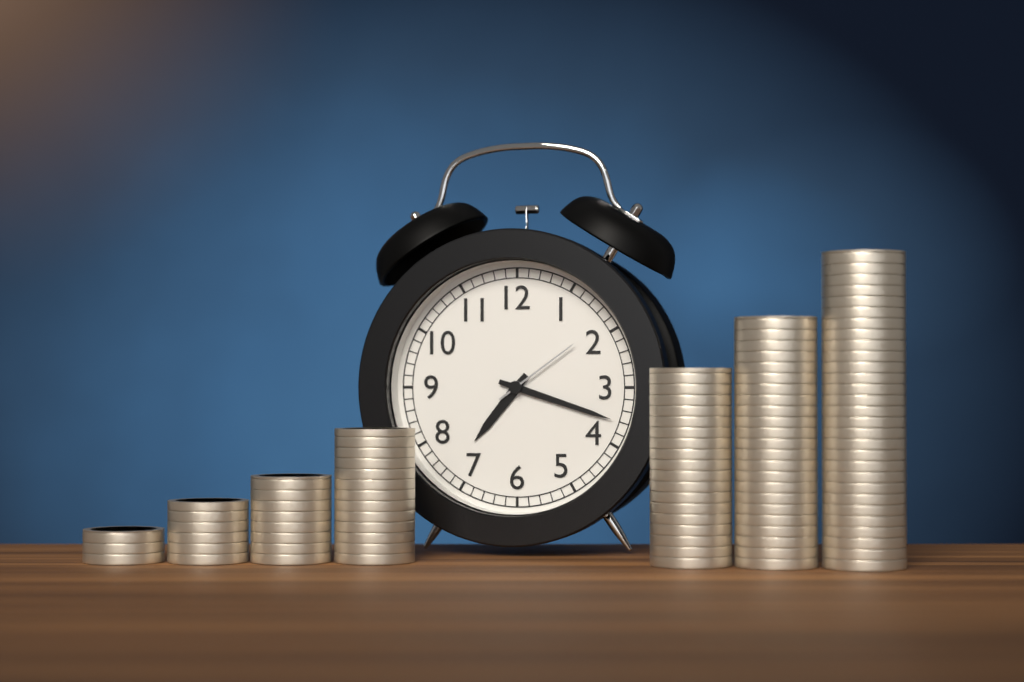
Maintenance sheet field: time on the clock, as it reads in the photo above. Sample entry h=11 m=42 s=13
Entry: h=7 m=18 s=9
